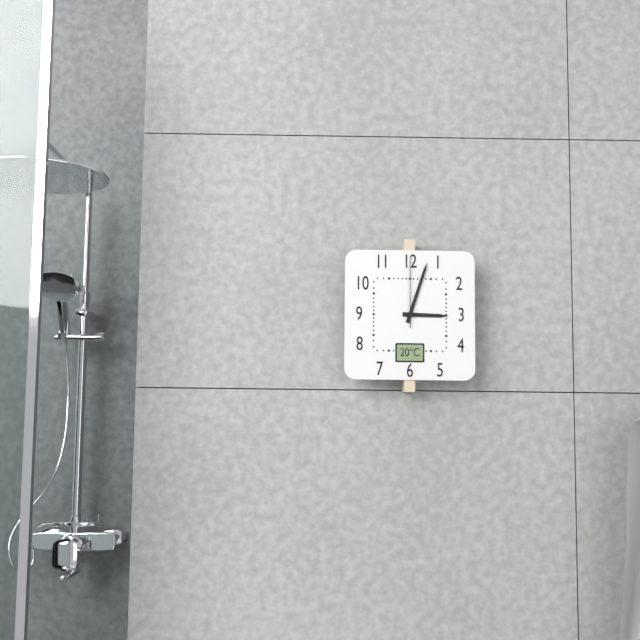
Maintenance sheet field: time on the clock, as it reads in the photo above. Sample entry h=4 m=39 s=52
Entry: h=3 m=3 s=0
